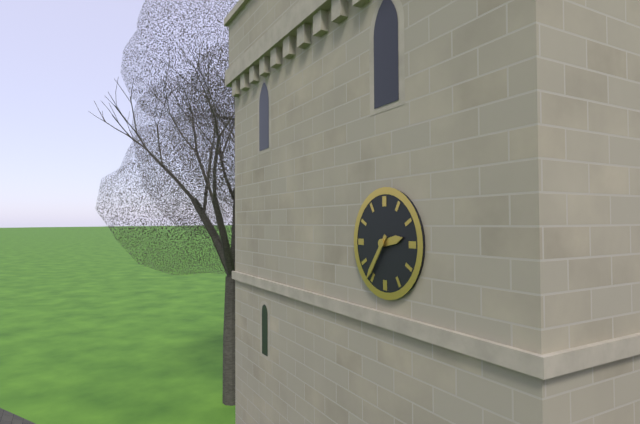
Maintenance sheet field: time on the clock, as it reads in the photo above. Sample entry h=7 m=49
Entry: h=2 m=36
